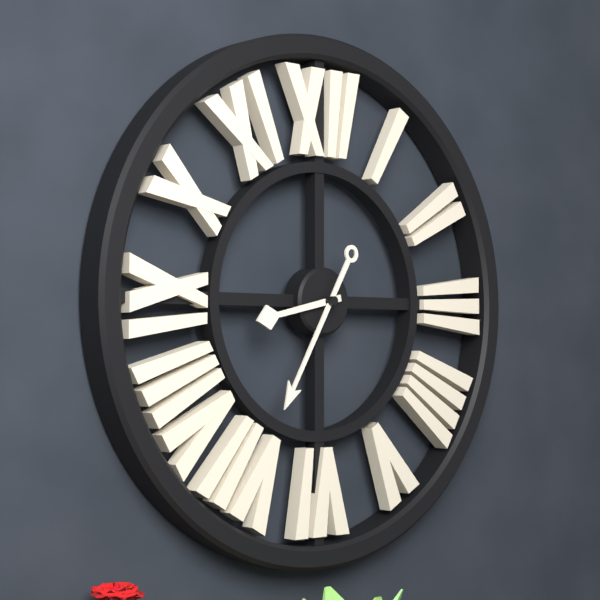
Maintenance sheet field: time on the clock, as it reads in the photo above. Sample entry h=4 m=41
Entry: h=8 m=35
